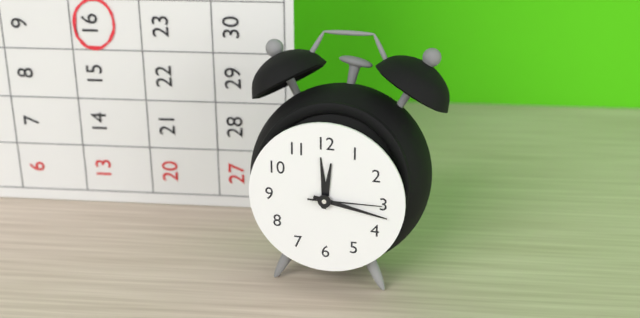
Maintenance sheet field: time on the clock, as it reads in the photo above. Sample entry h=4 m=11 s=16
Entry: h=12 m=17 s=15
